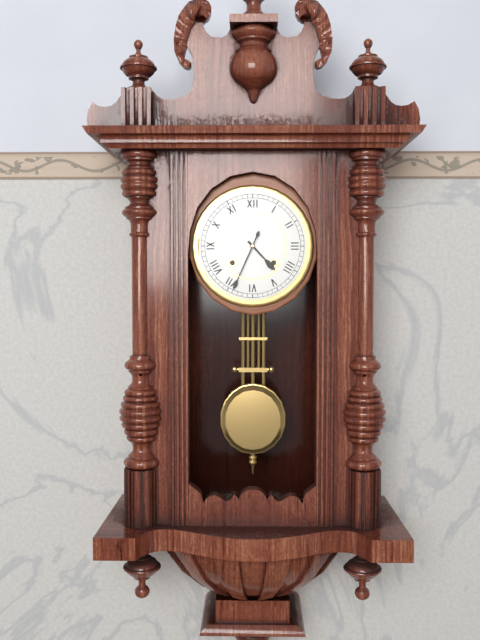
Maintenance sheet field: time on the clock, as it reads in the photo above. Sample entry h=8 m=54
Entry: h=4 m=34
